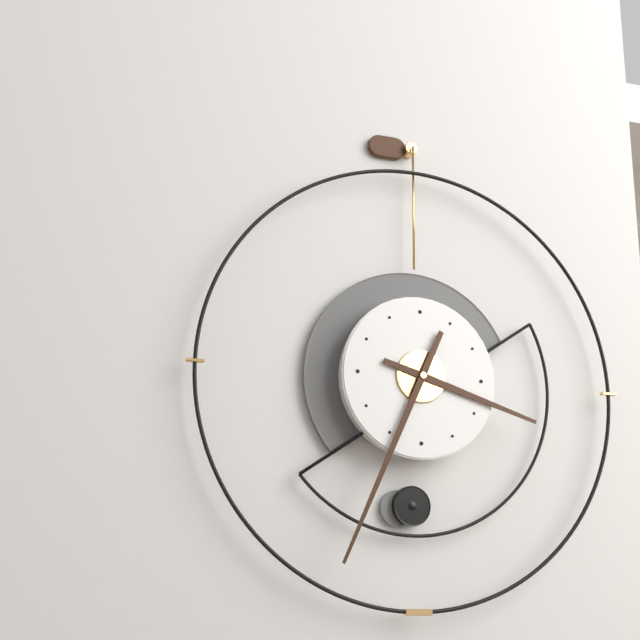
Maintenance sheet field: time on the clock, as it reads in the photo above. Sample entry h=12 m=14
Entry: h=3 m=34
